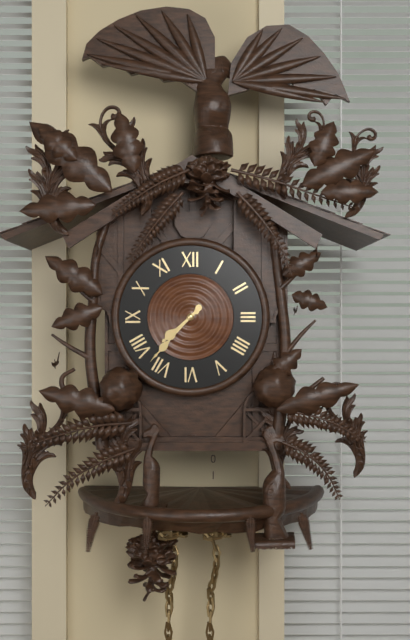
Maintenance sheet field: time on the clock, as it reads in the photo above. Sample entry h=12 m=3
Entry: h=7 m=37
